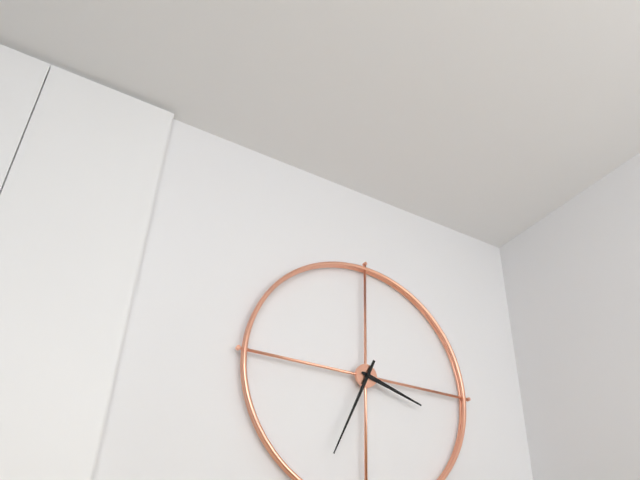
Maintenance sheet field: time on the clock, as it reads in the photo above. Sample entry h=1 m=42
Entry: h=3 m=34
